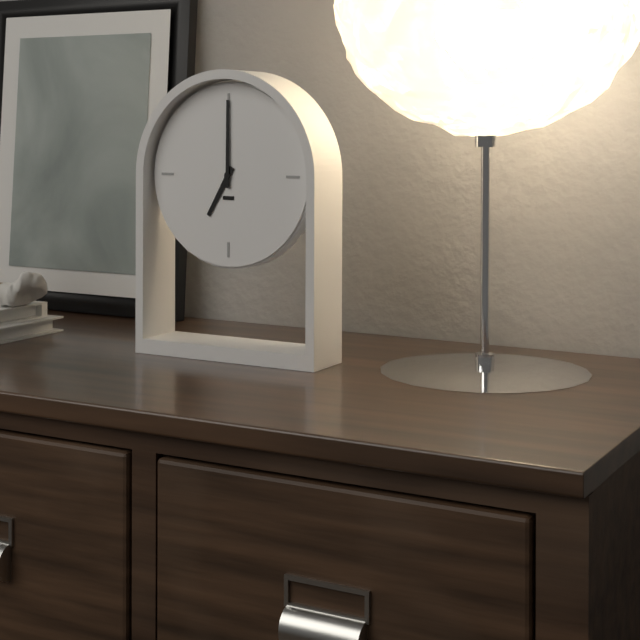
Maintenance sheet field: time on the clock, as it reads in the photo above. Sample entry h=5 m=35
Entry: h=7 m=0
